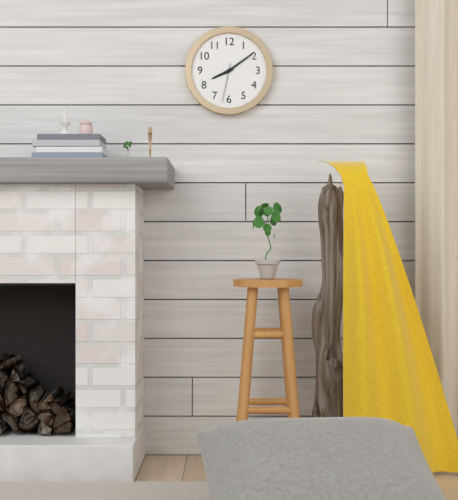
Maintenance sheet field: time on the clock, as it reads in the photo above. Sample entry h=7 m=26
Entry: h=8 m=9
